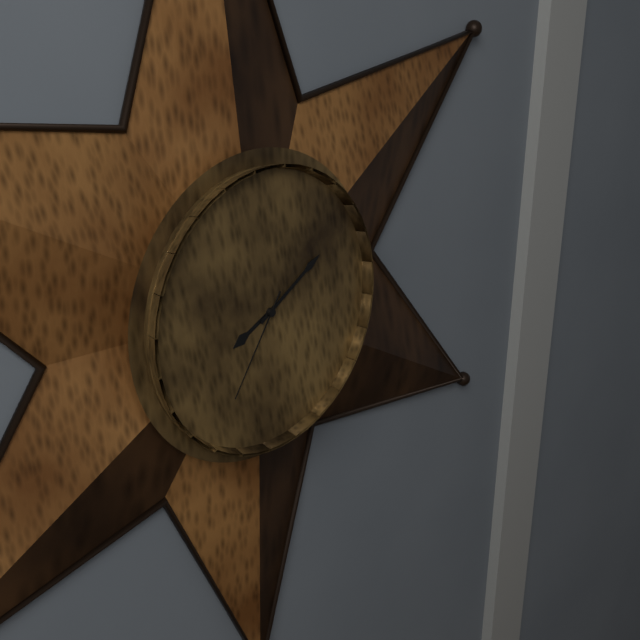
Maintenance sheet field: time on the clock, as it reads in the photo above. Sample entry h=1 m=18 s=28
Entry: h=8 m=10 s=36
